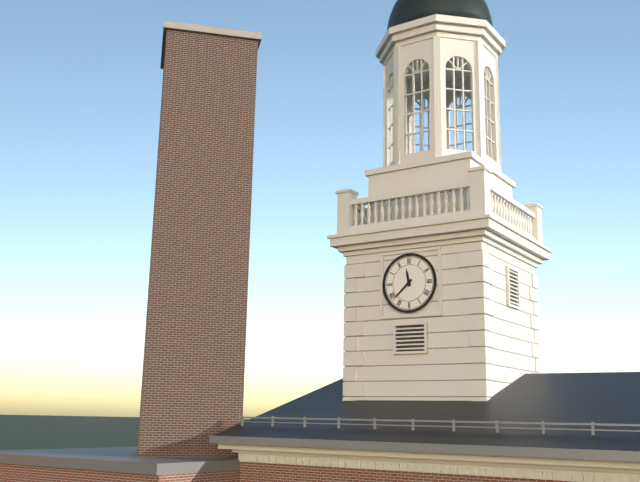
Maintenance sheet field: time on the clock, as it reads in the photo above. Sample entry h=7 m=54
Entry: h=11 m=38
